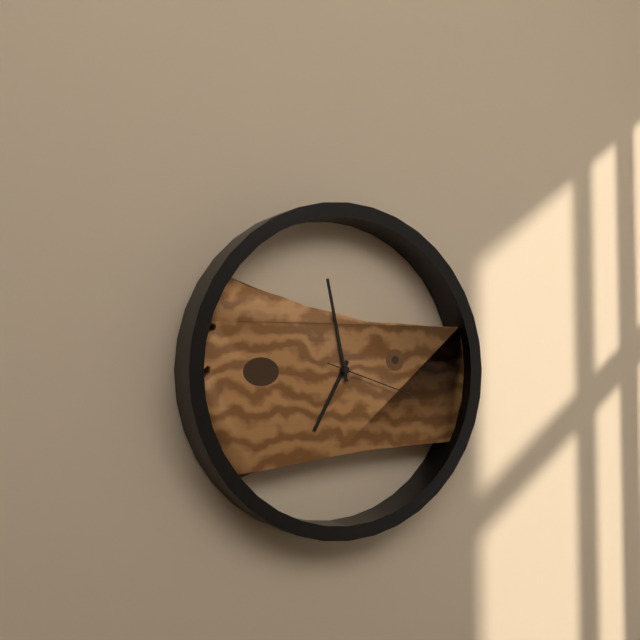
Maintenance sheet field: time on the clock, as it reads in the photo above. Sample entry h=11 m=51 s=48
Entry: h=6 m=58 s=18
